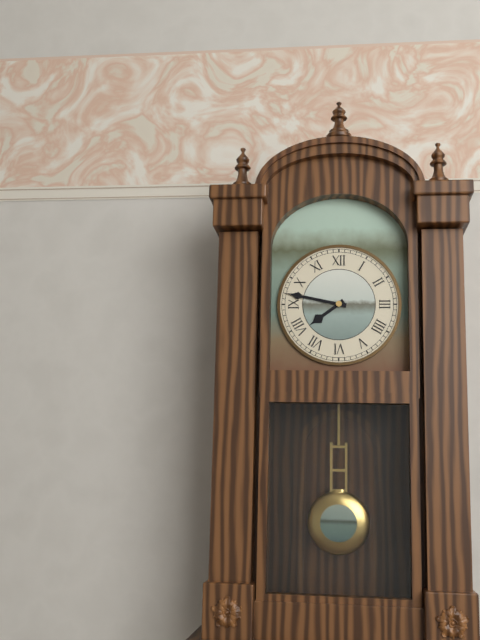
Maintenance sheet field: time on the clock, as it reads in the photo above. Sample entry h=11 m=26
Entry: h=7 m=47
